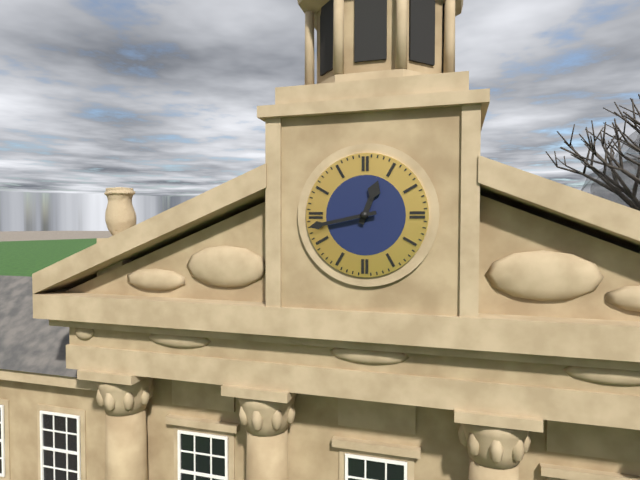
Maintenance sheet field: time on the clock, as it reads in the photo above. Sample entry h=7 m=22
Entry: h=12 m=43
